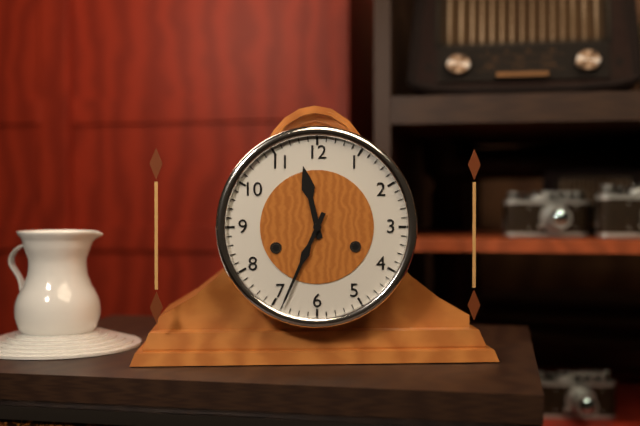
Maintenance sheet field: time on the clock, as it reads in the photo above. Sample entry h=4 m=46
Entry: h=11 m=34
